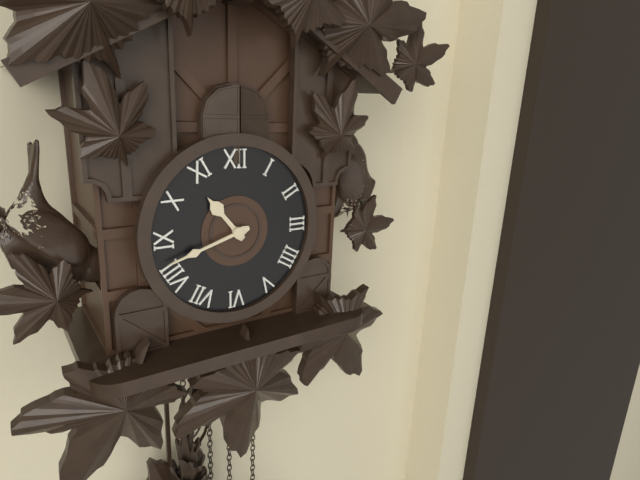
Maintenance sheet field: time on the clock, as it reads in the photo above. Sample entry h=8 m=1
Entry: h=10 m=42
